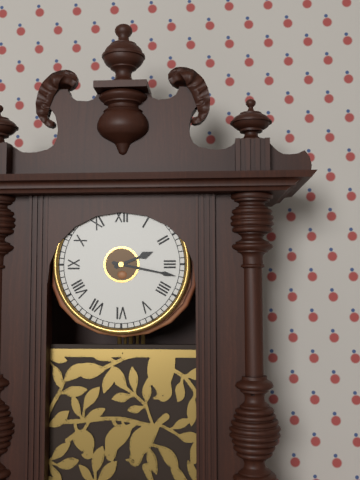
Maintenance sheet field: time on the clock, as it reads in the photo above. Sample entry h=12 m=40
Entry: h=2 m=17
